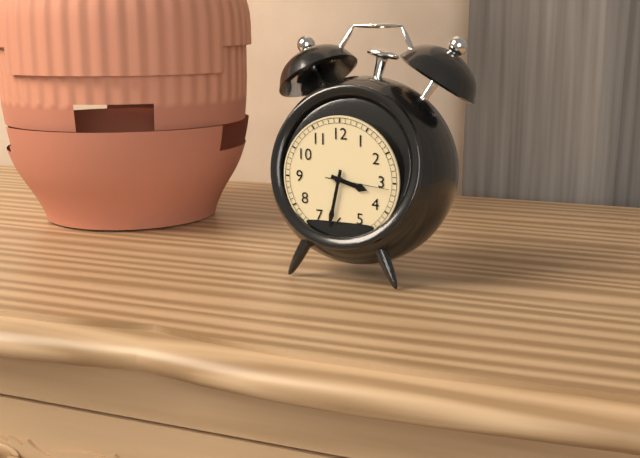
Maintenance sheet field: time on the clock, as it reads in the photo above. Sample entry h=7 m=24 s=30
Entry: h=3 m=32 s=16
